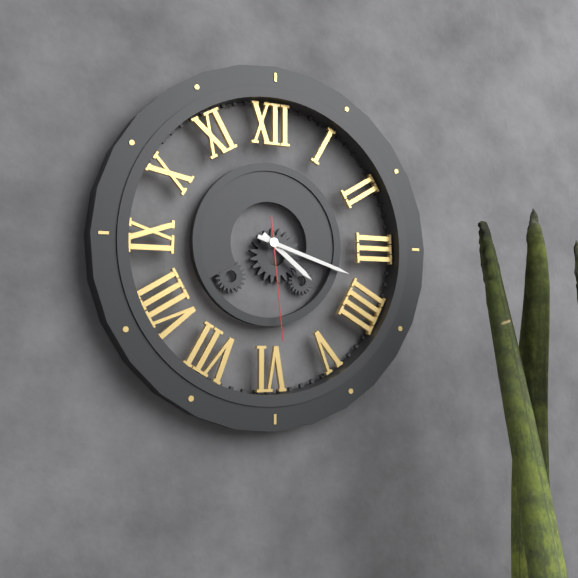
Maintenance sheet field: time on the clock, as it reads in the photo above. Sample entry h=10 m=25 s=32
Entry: h=4 m=18 s=29
